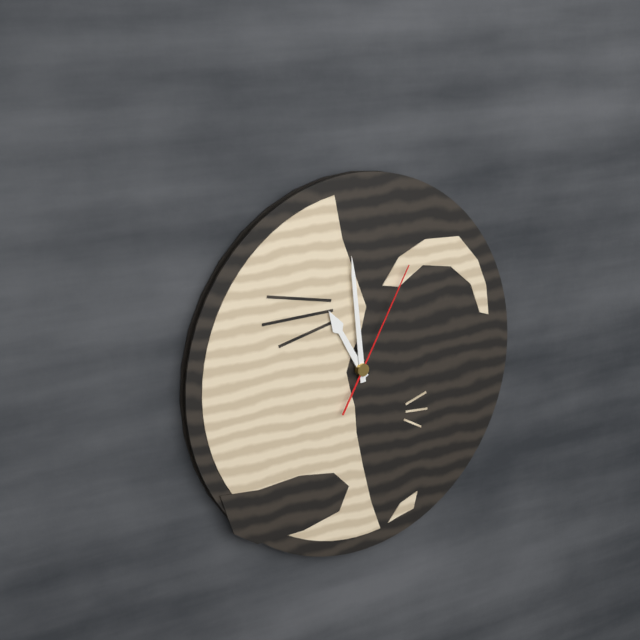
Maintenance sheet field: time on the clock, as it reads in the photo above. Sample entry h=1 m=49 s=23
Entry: h=10 m=59 s=5
